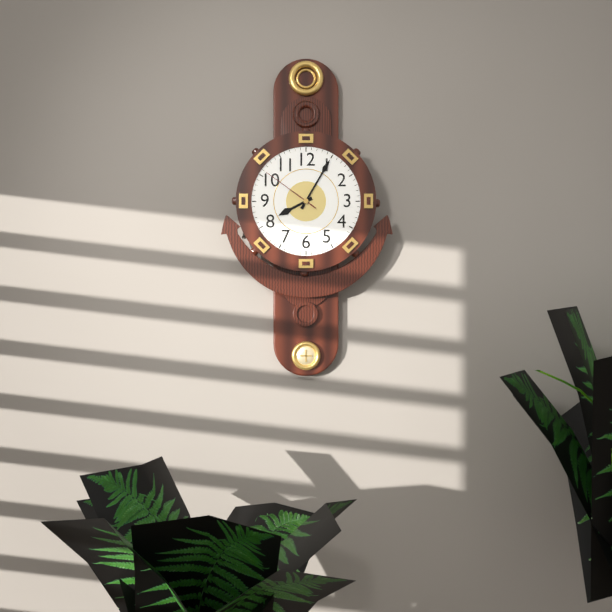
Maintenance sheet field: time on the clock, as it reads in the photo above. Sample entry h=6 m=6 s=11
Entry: h=8 m=5 s=51
